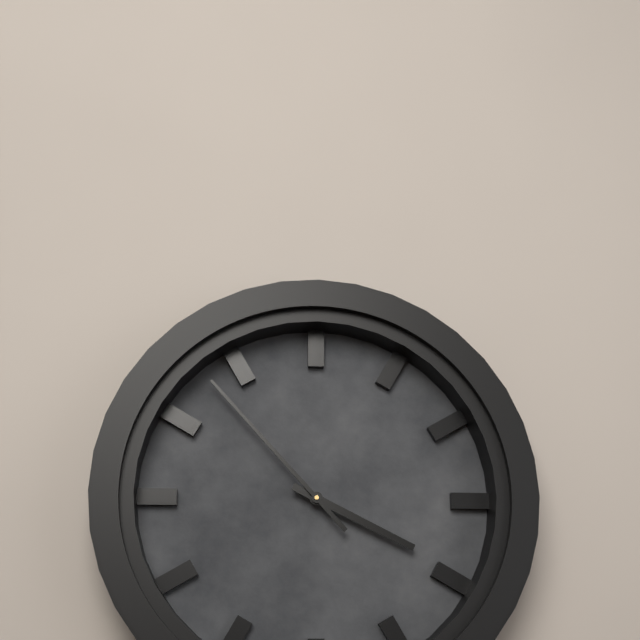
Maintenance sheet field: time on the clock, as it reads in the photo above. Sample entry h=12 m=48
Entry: h=3 m=53
